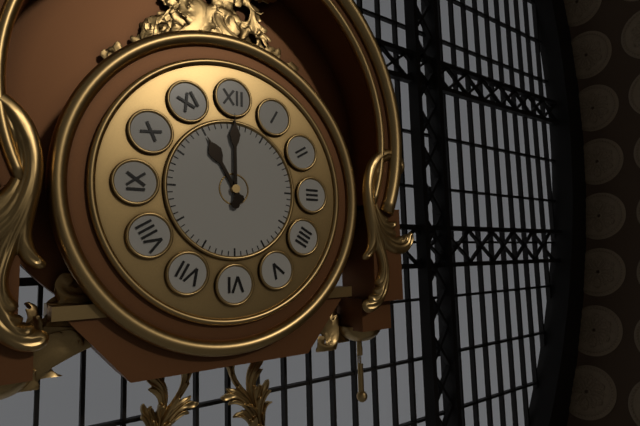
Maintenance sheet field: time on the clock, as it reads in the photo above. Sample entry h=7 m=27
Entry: h=11 m=0
